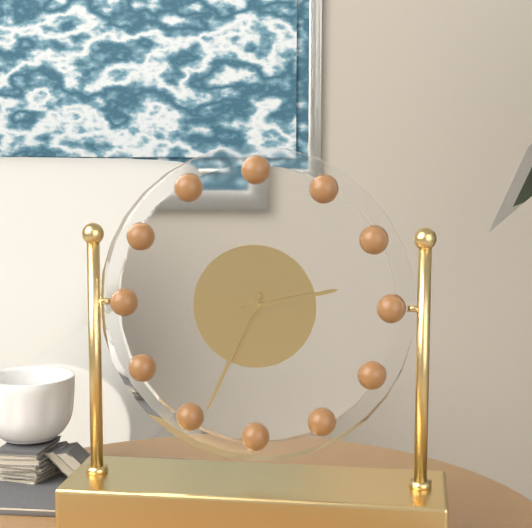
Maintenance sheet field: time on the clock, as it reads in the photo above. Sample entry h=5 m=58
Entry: h=2 m=34
